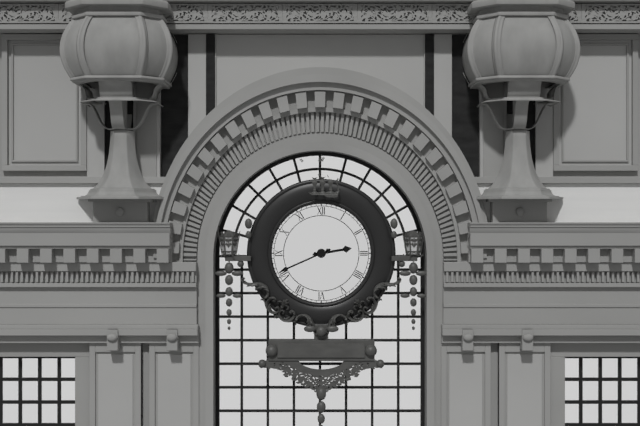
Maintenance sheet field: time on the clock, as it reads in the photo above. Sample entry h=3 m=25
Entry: h=2 m=41
